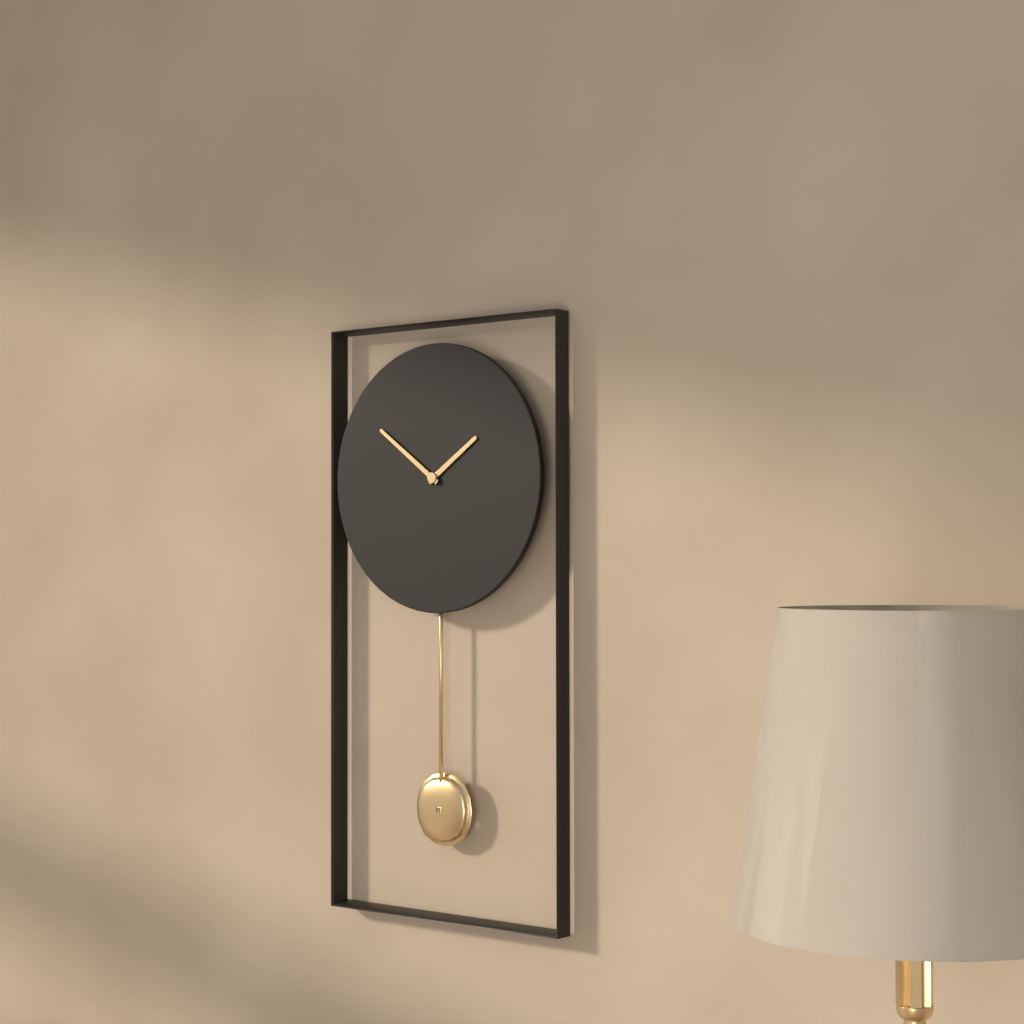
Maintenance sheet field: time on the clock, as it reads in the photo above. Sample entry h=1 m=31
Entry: h=1 m=51
